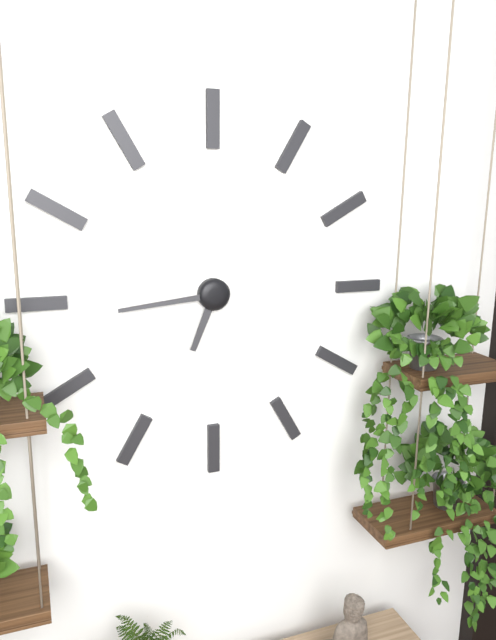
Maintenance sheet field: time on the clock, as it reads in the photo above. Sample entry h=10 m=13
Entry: h=6 m=44
